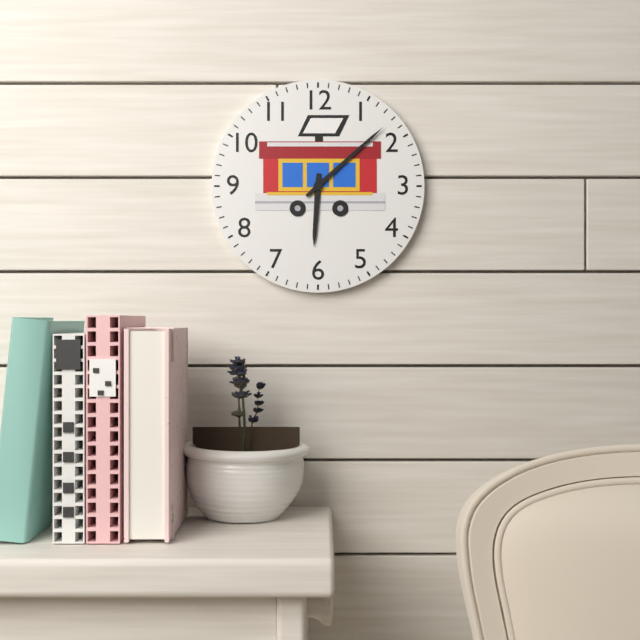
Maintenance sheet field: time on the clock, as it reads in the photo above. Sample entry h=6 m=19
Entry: h=6 m=8
